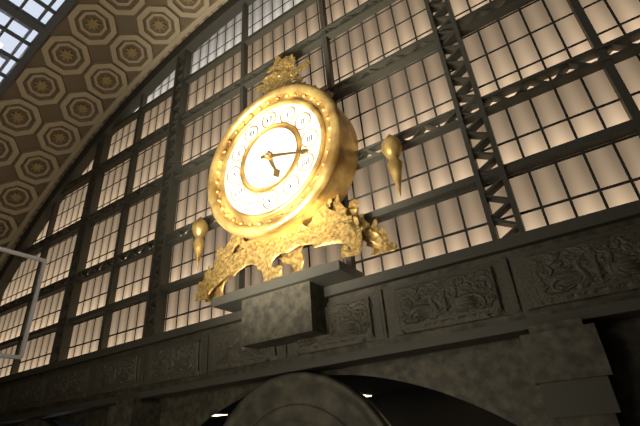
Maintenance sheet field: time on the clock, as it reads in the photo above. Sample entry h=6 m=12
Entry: h=5 m=18
